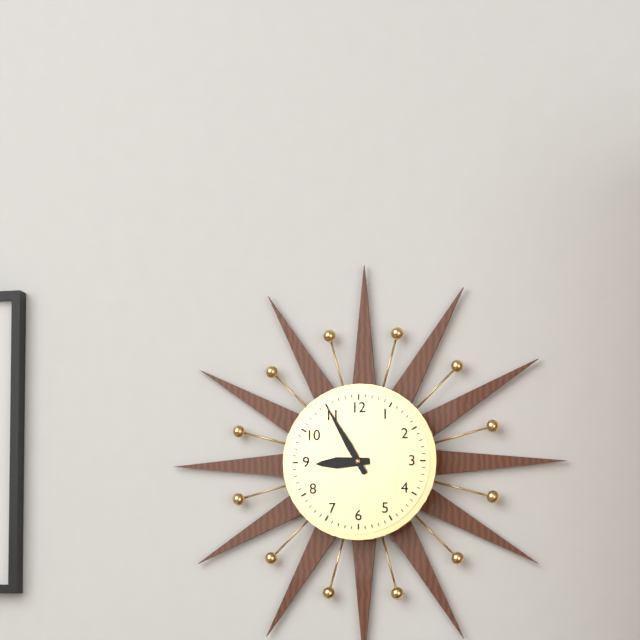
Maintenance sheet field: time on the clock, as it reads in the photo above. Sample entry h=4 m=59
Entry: h=8 m=55
